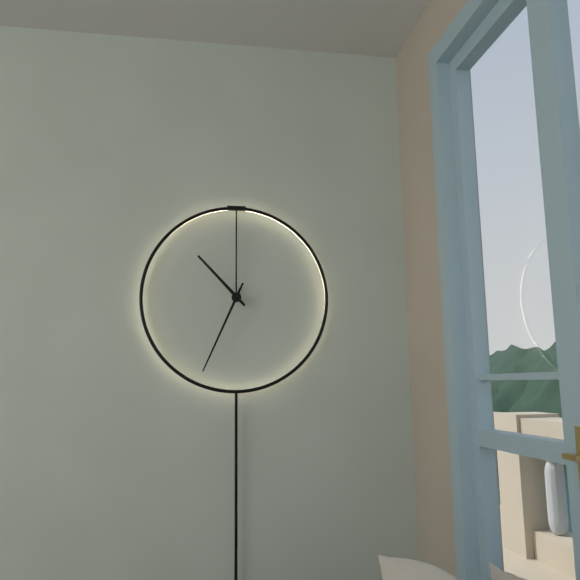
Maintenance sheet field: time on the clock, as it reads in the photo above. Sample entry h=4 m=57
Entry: h=10 m=34
